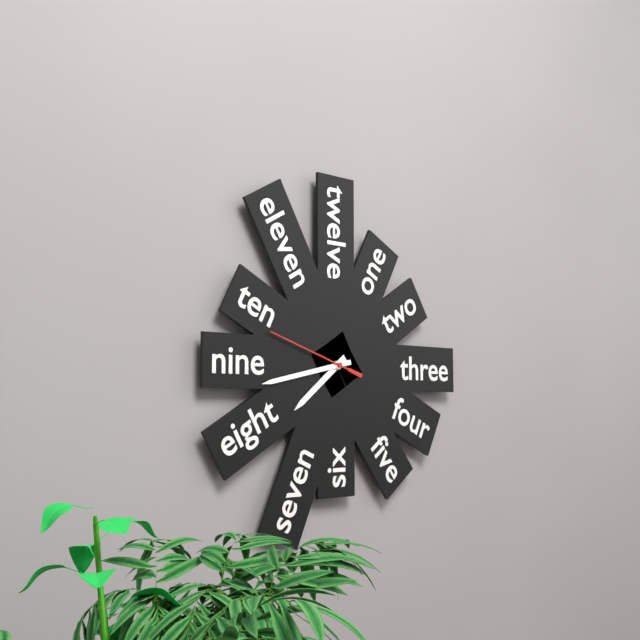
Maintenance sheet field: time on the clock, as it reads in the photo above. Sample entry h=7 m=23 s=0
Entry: h=7 m=43 s=48
